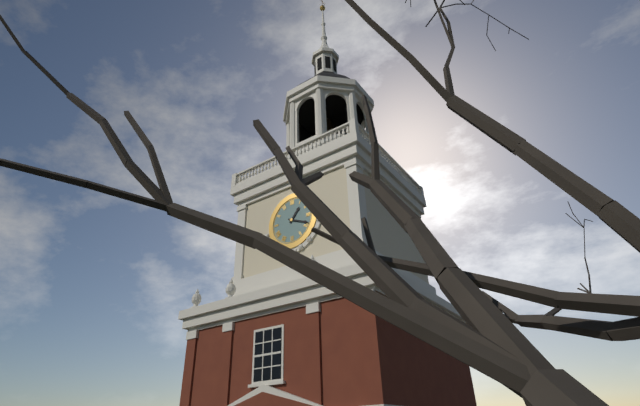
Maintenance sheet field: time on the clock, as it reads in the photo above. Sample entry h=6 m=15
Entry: h=1 m=19
